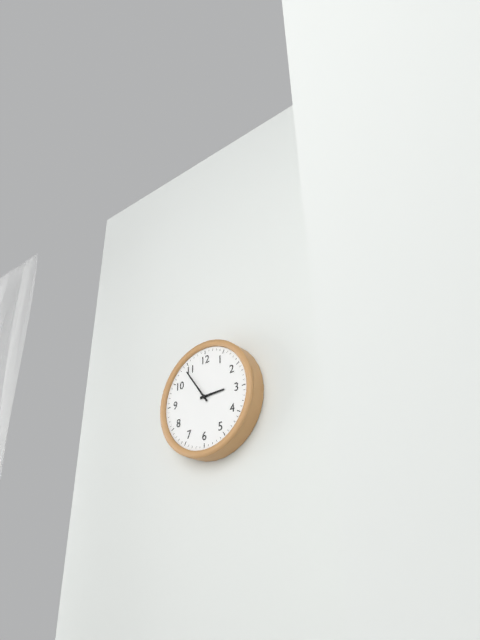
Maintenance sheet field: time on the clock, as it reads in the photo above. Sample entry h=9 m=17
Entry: h=2 m=54
